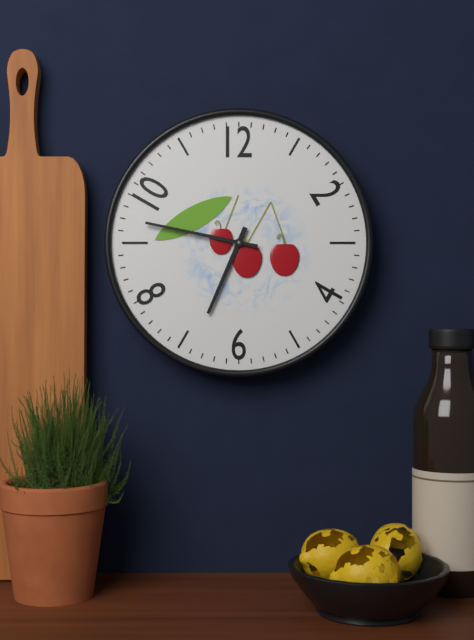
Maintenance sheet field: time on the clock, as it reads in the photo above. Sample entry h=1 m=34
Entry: h=6 m=47
